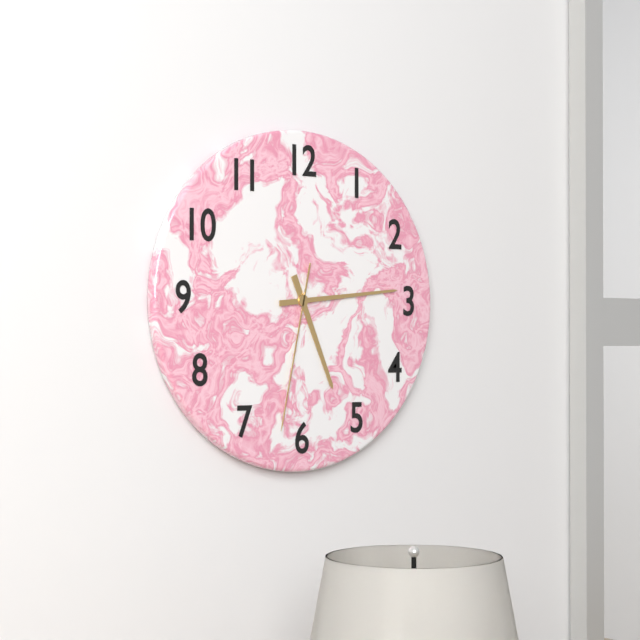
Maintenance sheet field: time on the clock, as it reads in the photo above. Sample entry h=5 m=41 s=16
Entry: h=5 m=14 s=32
